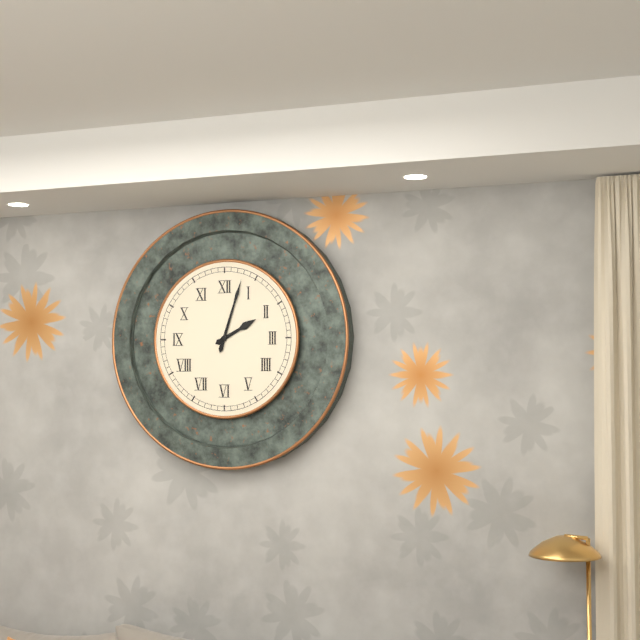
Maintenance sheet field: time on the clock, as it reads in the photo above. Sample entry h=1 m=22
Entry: h=2 m=3
